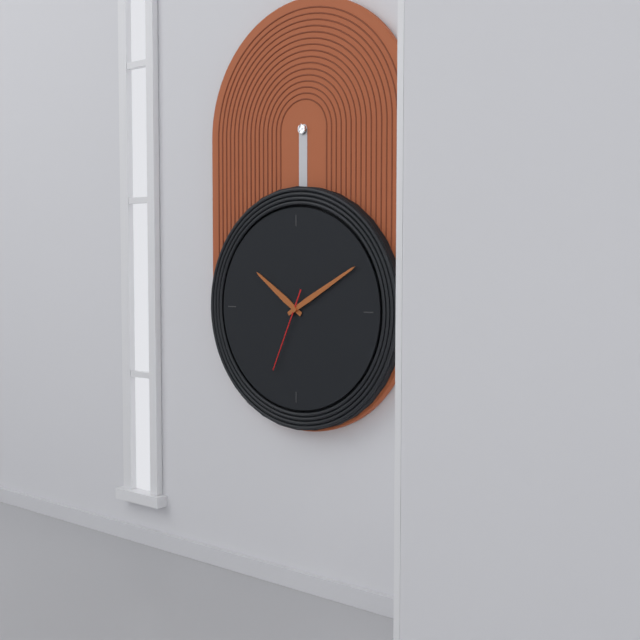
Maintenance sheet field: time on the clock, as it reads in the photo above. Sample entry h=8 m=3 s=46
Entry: h=10 m=10 s=34
